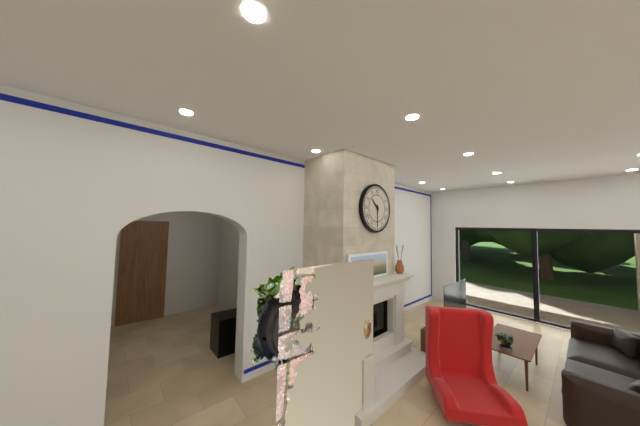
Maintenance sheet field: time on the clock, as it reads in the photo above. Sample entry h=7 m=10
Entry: h=10 m=30
